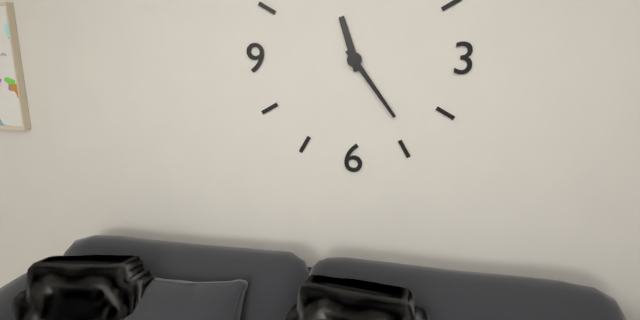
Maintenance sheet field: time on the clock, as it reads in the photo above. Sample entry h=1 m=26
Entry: h=11 m=24
